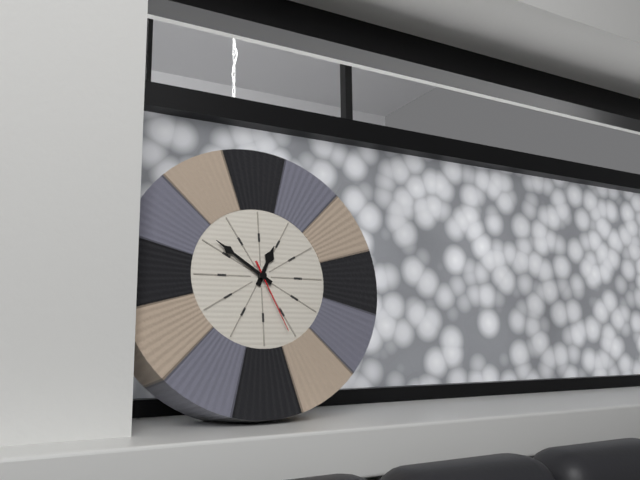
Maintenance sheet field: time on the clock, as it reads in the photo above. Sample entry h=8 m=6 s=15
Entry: h=12 m=51 s=26
